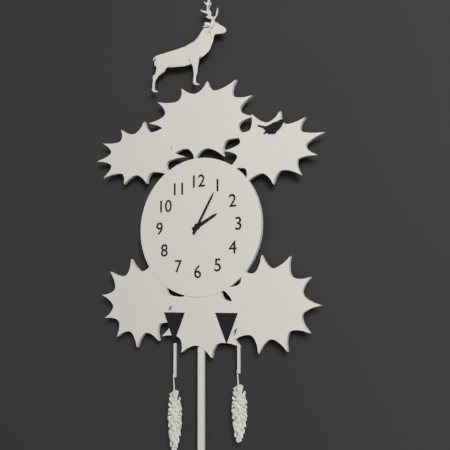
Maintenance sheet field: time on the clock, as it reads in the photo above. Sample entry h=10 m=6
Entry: h=2 m=5
